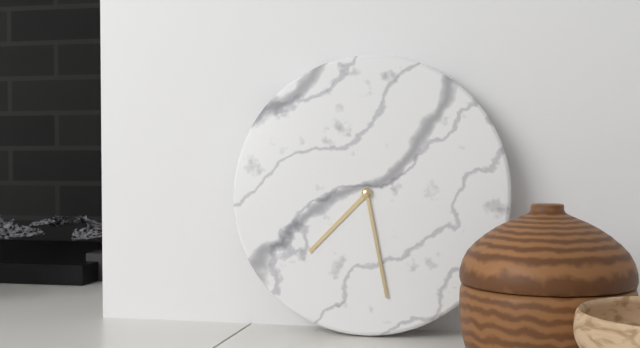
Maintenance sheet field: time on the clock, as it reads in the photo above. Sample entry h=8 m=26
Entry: h=7 m=28
